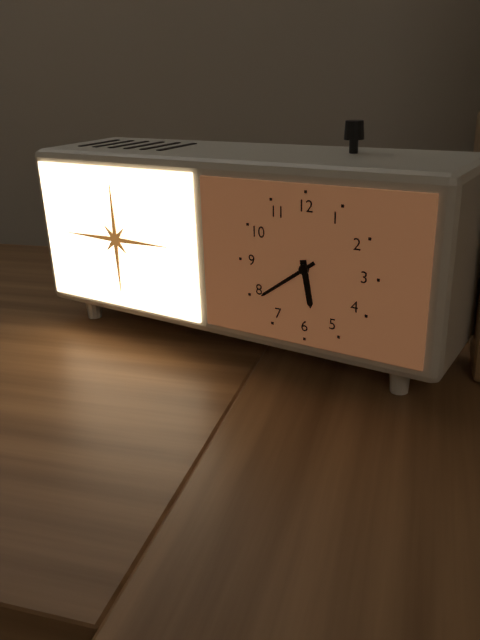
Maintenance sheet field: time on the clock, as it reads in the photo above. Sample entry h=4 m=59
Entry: h=5 m=39
